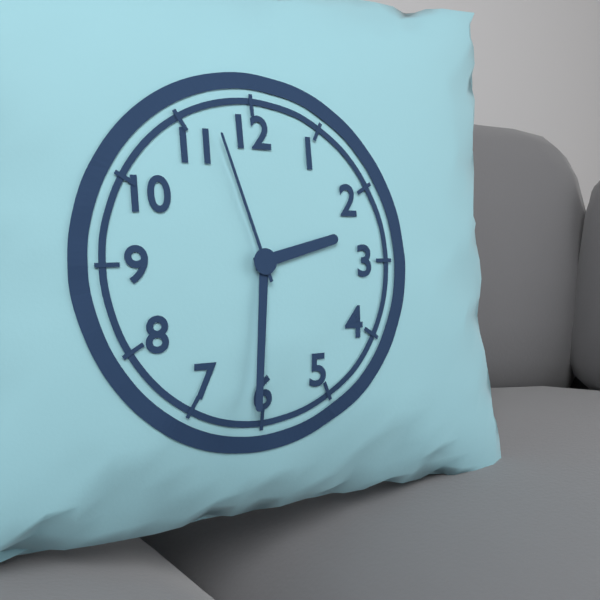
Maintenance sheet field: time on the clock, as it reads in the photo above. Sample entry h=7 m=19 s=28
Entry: h=2 m=31 s=57
